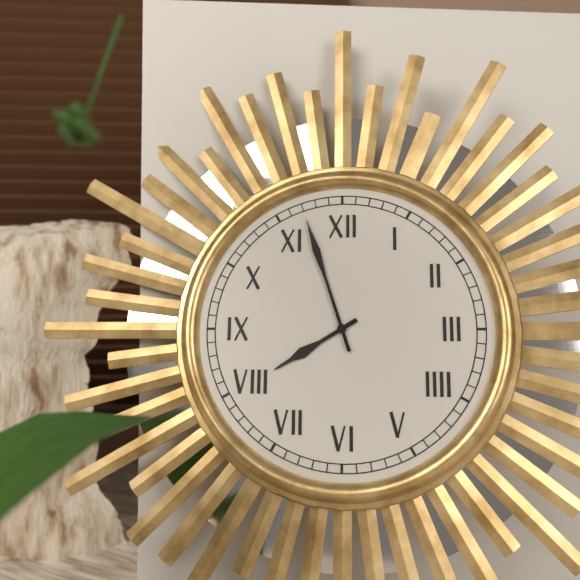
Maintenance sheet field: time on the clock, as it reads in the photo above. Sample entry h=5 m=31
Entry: h=7 m=57
